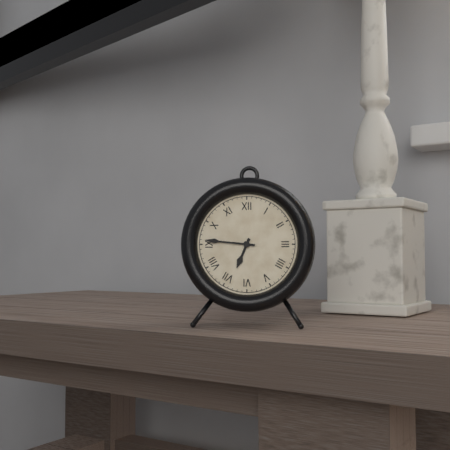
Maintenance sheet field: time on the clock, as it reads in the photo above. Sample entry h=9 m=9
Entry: h=6 m=46
